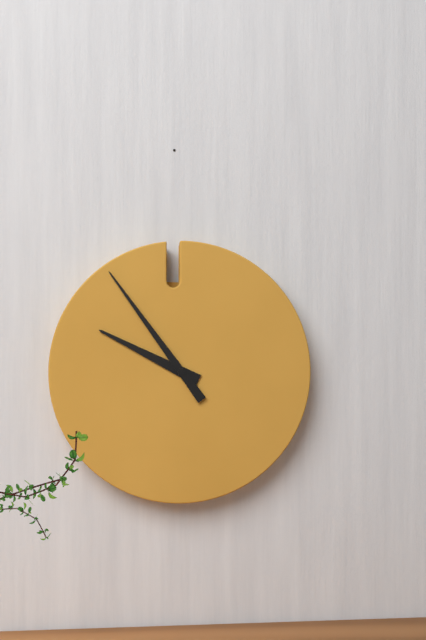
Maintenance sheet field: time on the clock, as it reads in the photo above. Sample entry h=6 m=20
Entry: h=9 m=54
